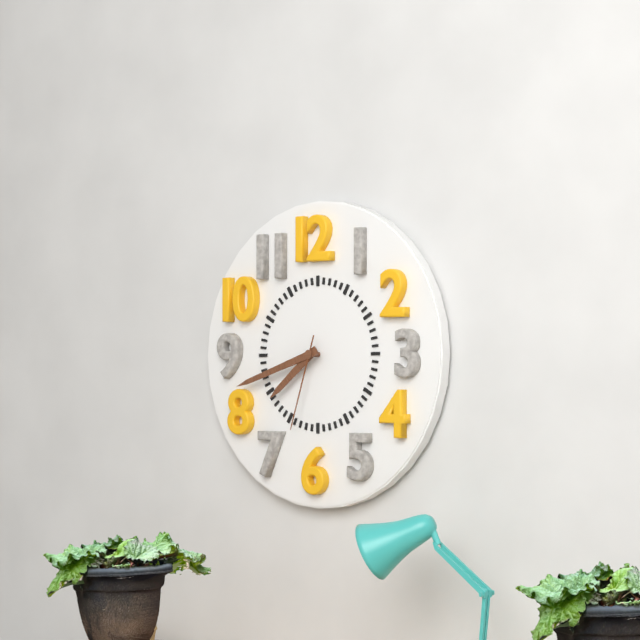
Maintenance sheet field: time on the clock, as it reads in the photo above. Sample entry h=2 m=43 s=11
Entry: h=7 m=42 s=33
